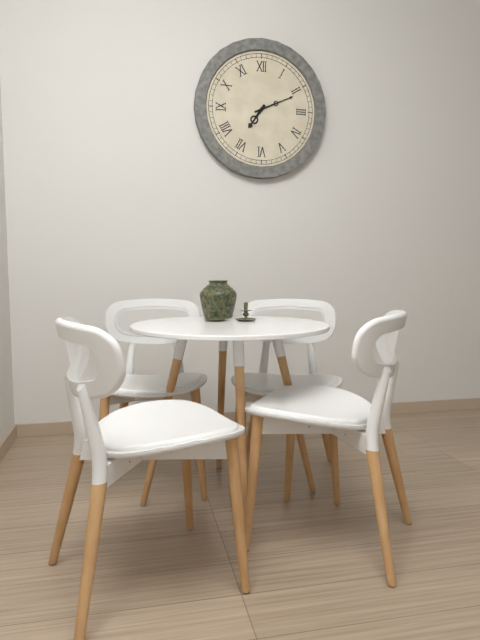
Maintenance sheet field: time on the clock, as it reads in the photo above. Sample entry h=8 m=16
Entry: h=7 m=11
